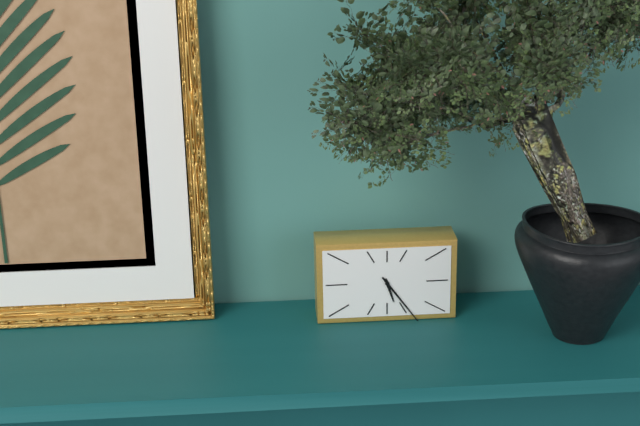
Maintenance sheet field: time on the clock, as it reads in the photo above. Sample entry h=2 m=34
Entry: h=5 m=24
